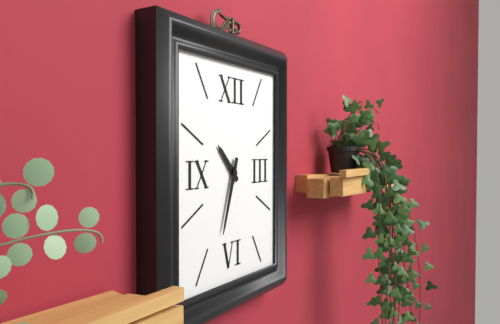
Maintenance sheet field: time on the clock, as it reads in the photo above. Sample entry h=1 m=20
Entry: h=10 m=33
